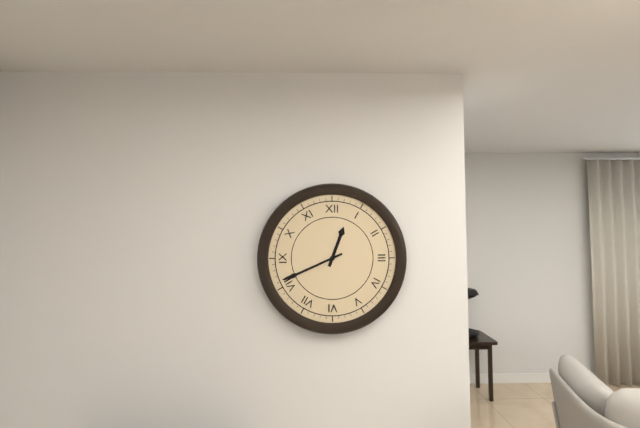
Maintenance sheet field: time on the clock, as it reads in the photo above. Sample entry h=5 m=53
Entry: h=12 m=41
